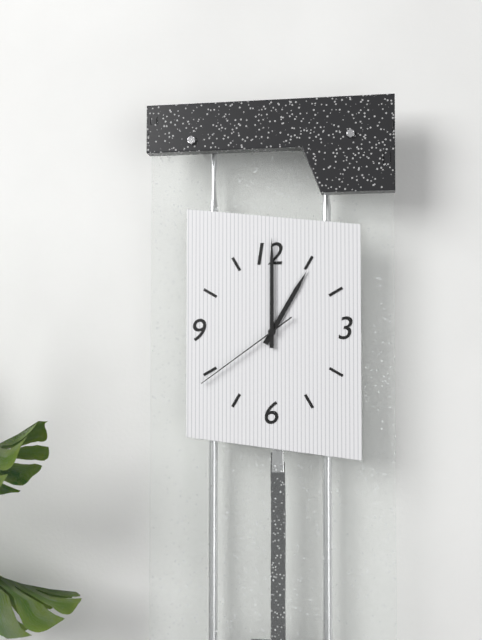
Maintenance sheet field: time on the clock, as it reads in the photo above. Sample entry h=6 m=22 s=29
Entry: h=1 m=0 s=39
